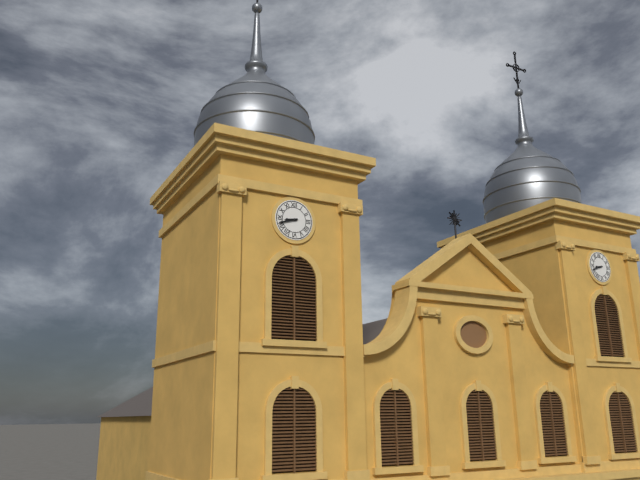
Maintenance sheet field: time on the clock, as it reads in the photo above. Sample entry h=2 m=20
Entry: h=8 m=42
